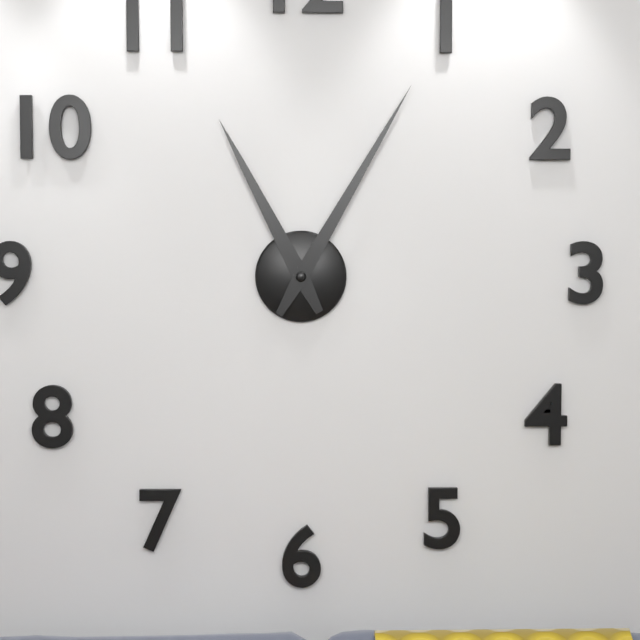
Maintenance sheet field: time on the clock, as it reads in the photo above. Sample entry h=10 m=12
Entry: h=11 m=5
